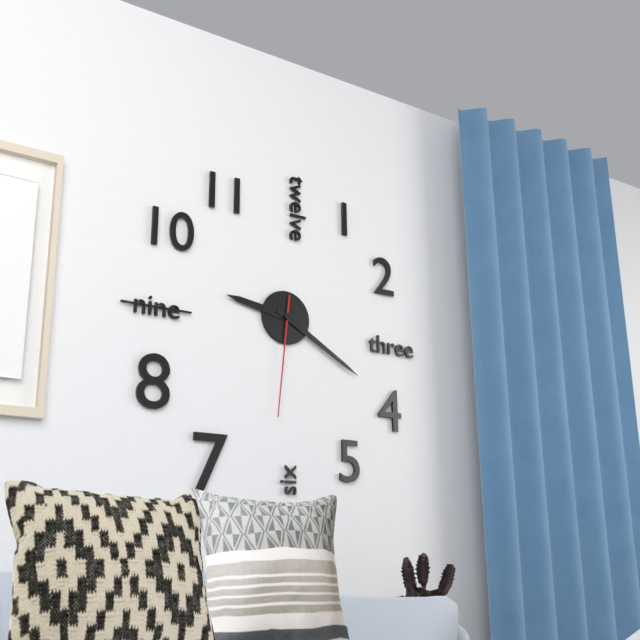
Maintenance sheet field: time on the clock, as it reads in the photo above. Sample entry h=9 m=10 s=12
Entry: h=9 m=20 s=31
